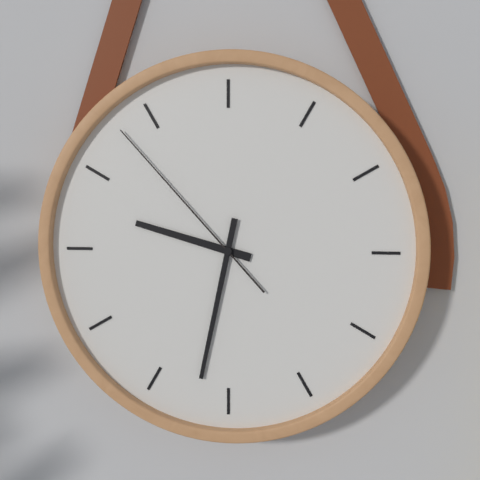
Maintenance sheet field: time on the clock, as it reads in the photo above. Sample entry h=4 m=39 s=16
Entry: h=9 m=32 s=53
